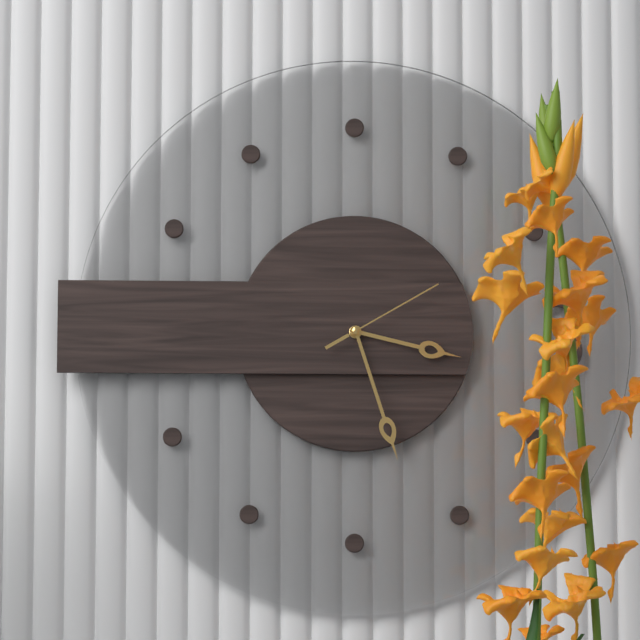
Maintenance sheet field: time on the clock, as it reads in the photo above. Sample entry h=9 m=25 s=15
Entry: h=3 m=27 s=10
